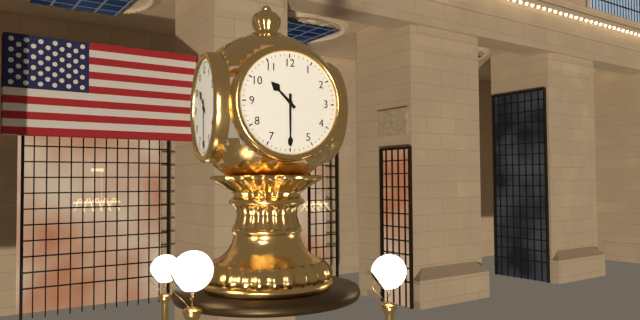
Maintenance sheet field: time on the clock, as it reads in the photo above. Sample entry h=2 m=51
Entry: h=10 m=30
